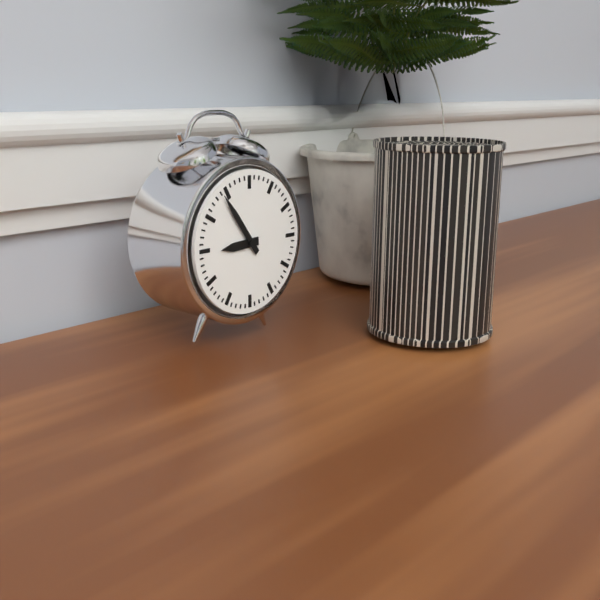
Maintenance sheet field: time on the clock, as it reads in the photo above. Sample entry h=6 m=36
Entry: h=8 m=54
